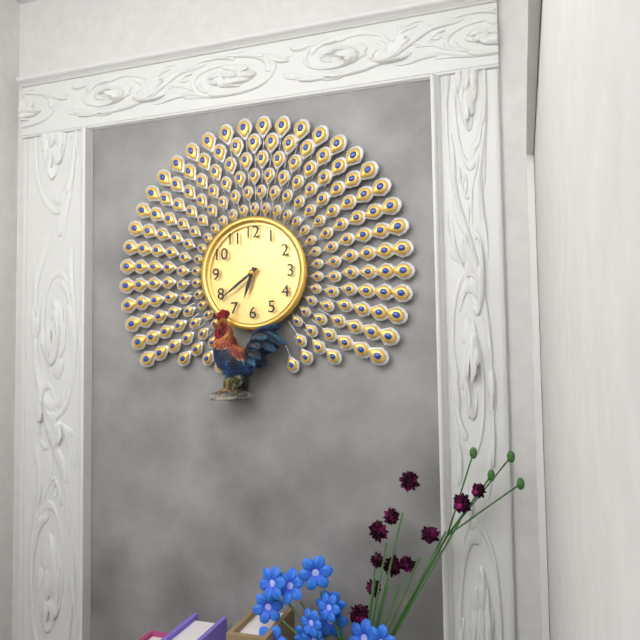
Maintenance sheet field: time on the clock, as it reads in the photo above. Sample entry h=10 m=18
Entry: h=6 m=39
